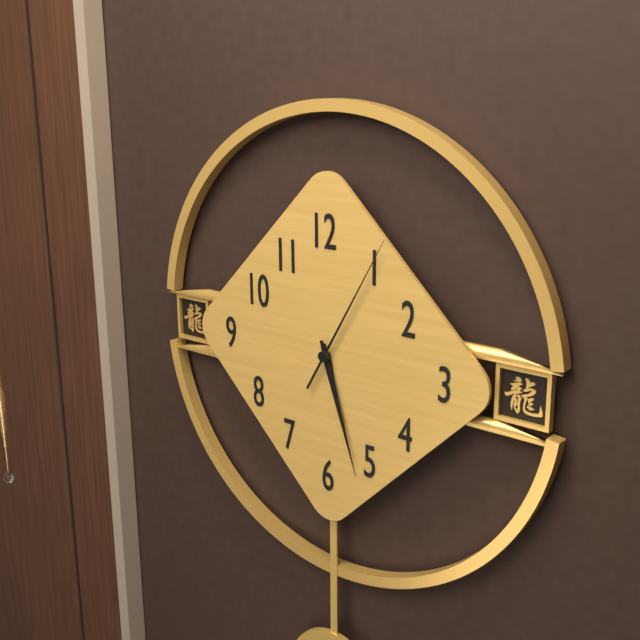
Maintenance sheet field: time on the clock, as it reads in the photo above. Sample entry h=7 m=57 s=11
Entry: h=5 m=27 s=5
